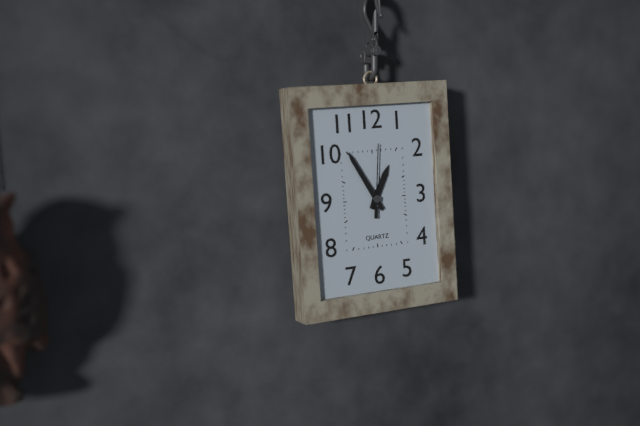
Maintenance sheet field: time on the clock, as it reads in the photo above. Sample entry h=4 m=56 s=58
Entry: h=12 m=55 s=1
